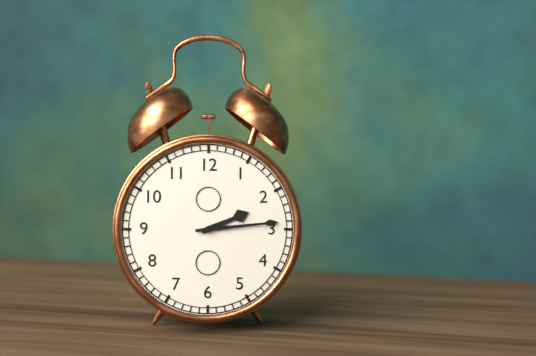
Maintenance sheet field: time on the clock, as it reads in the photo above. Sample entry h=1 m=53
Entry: h=2 m=14
